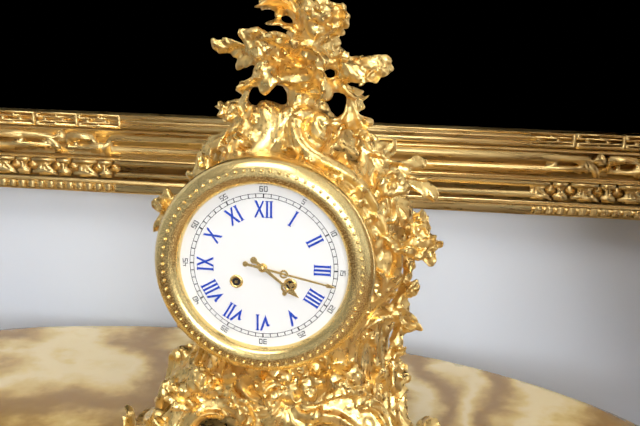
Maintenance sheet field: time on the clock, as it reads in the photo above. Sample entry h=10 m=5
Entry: h=4 m=17
